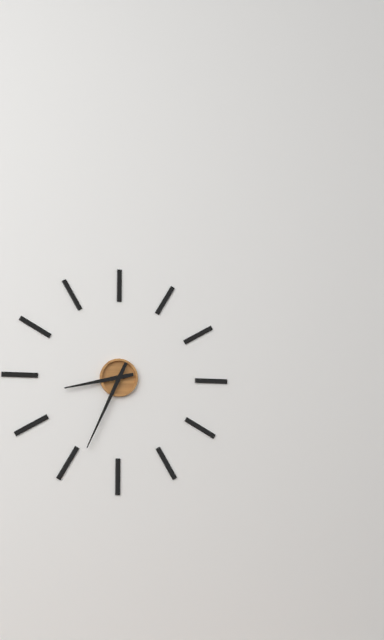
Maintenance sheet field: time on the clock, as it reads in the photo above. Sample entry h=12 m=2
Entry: h=8 m=34
